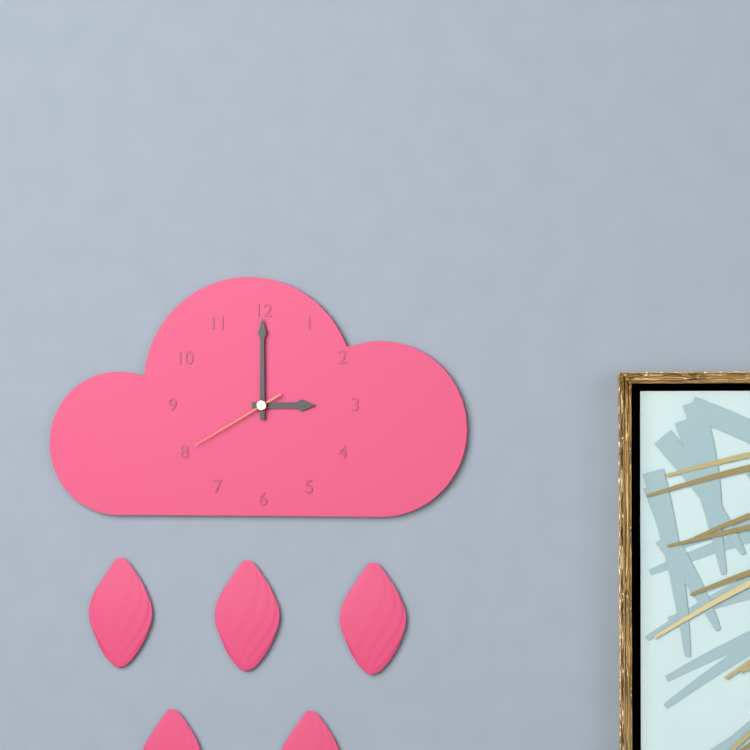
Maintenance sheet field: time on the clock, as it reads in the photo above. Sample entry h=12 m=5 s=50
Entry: h=3 m=0 s=40
